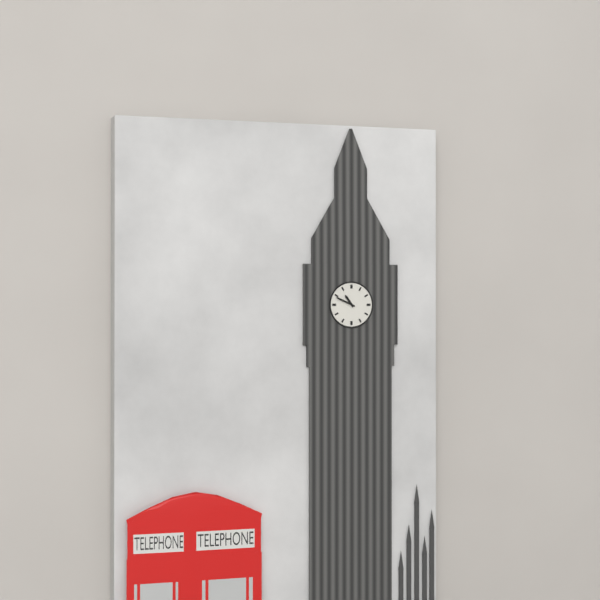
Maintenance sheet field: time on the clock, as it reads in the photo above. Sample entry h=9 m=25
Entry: h=10 m=49
